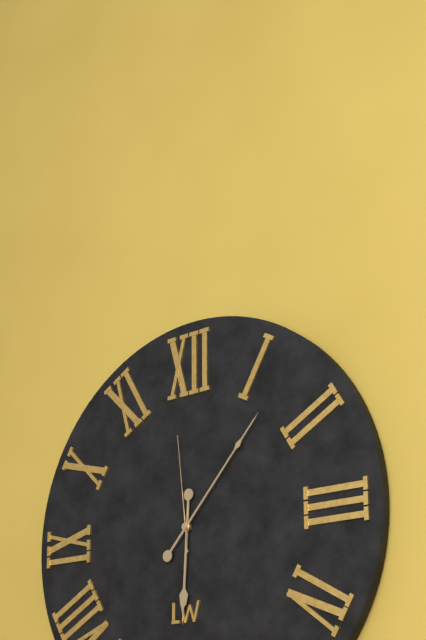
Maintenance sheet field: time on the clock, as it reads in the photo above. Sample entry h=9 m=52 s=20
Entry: h=6 m=7 s=59
